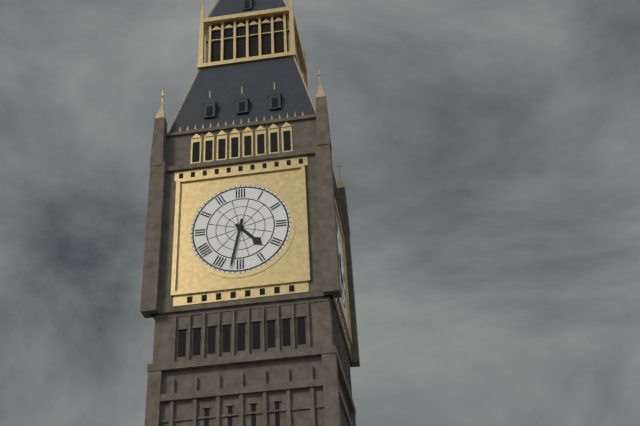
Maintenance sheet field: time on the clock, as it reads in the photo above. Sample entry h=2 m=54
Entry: h=4 m=32
